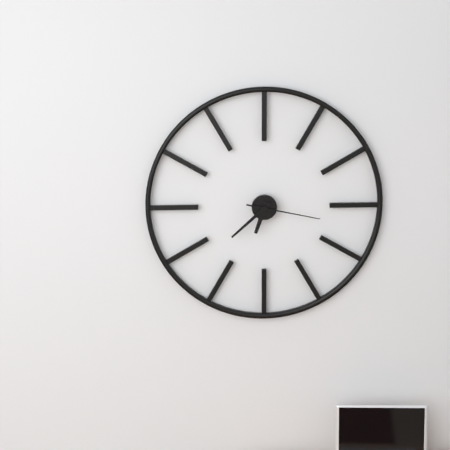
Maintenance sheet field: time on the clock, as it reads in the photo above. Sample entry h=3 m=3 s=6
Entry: h=6 m=38 s=17
